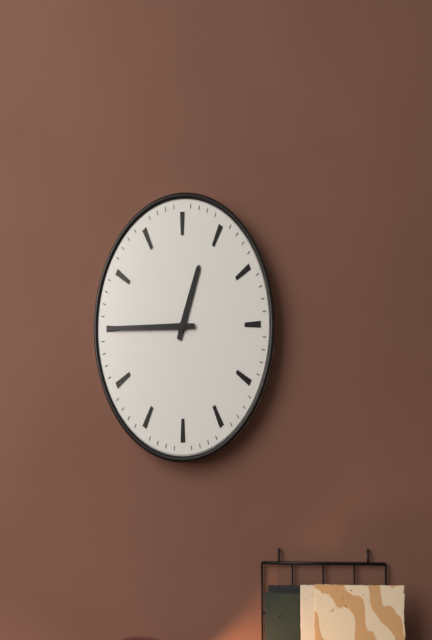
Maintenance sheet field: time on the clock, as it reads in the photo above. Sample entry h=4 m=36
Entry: h=12 m=45
